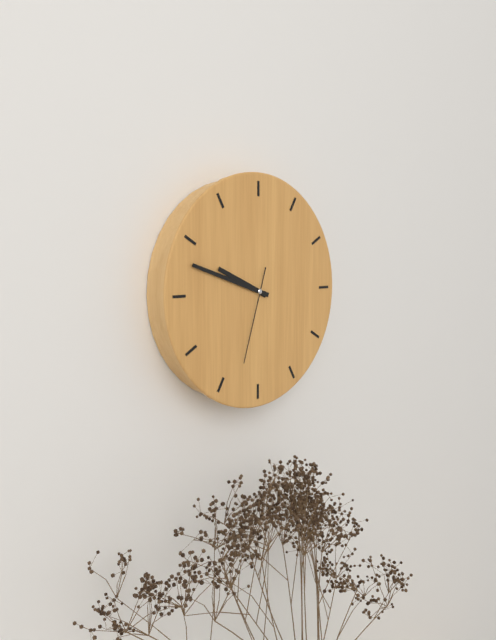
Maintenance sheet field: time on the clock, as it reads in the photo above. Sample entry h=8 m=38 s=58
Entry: h=9 m=48 s=33
